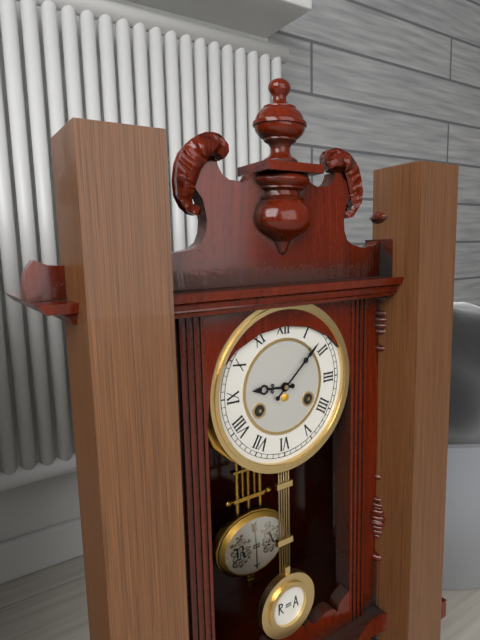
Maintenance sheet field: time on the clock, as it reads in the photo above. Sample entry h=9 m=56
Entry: h=9 m=8
